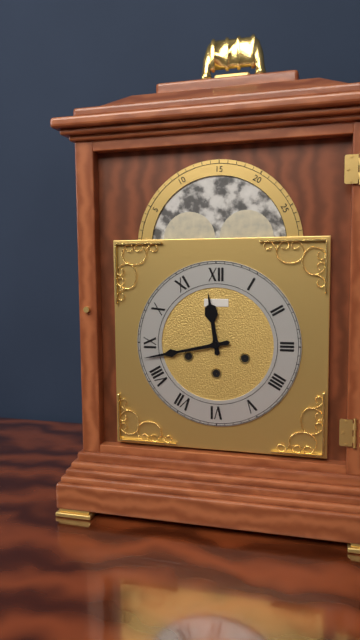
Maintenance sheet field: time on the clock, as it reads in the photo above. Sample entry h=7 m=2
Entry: h=11 m=43
